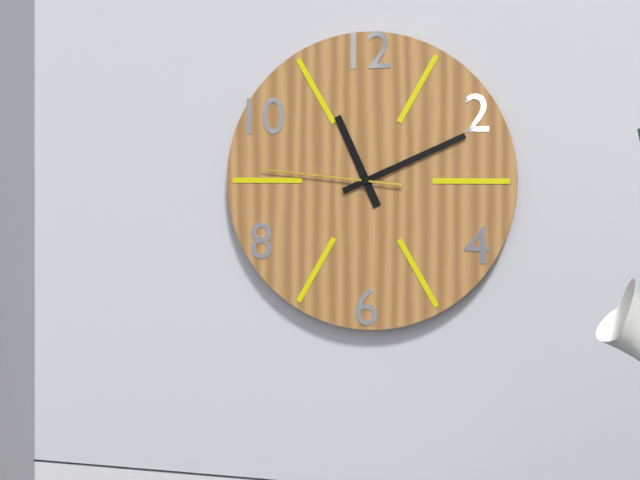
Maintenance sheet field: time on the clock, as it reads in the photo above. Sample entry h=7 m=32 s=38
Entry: h=11 m=11 s=46
